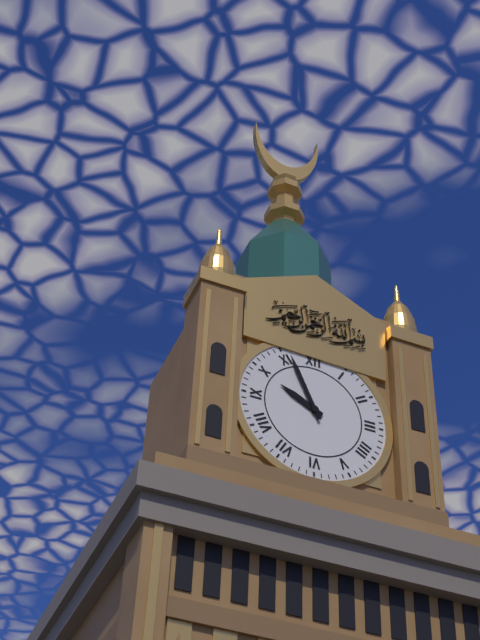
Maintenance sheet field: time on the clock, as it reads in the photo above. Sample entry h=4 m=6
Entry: h=9 m=56
